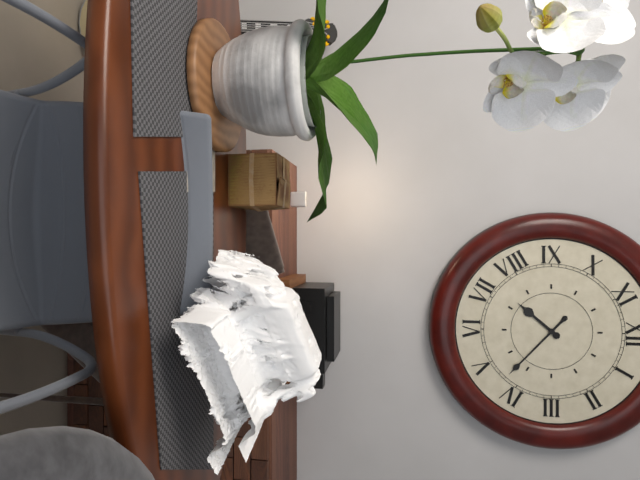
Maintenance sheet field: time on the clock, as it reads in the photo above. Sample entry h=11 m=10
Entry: h=7 m=22
